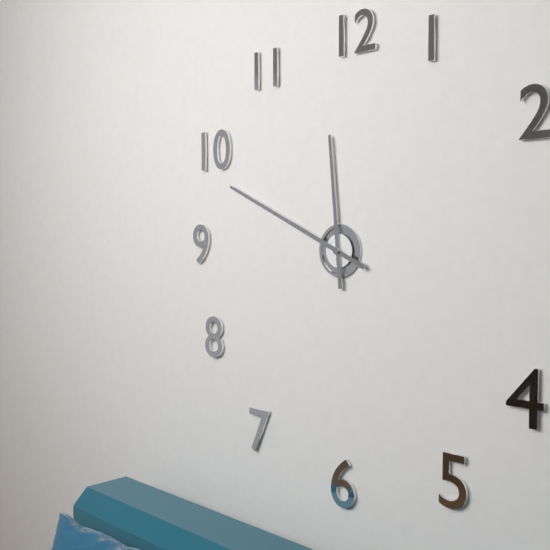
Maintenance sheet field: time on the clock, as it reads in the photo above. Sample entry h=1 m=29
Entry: h=11 m=49
